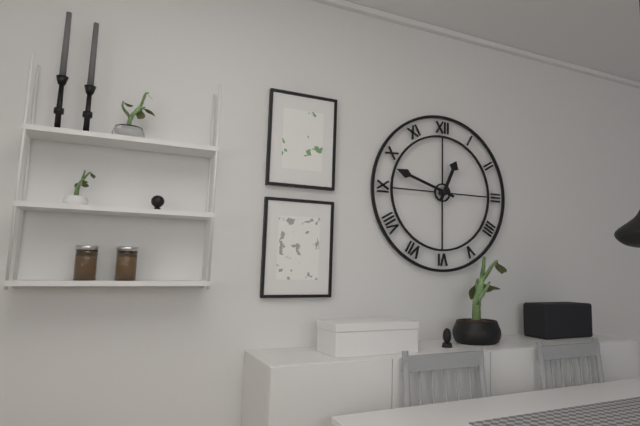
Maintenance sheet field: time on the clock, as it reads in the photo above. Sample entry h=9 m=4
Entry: h=12 m=48
